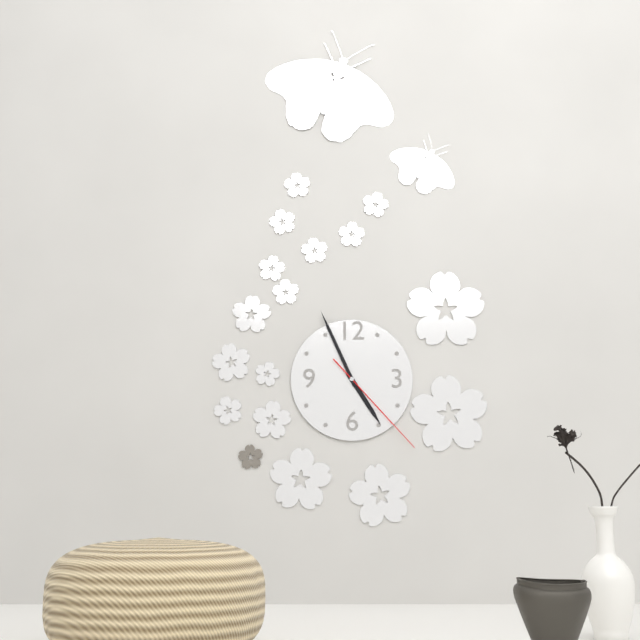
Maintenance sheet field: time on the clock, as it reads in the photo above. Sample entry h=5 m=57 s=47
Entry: h=4 m=56 s=23
